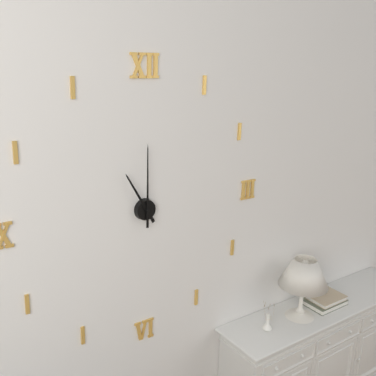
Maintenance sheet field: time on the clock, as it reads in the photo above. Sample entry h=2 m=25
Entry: h=11 m=0
